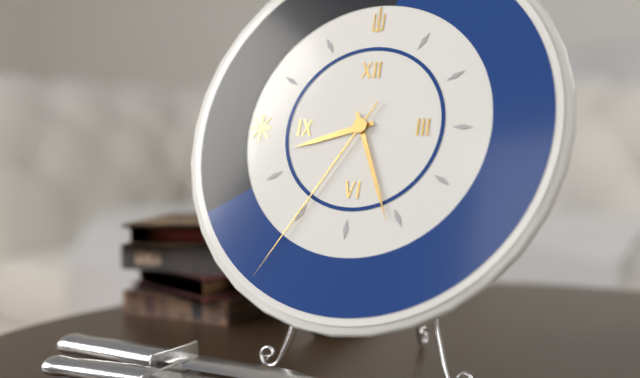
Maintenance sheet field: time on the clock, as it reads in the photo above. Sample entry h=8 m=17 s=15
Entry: h=8 m=26 s=35
